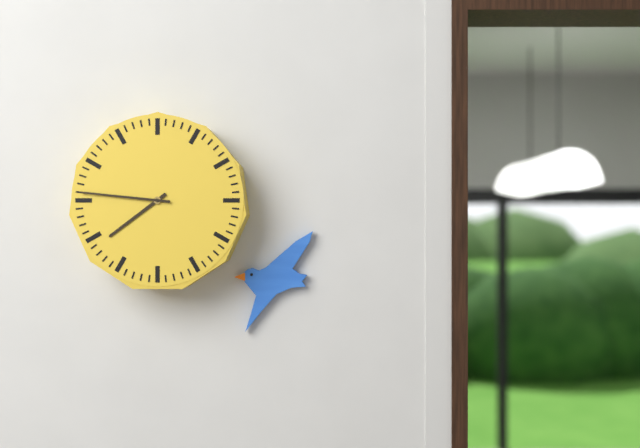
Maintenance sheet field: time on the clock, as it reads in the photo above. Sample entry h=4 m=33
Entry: h=7 m=46
